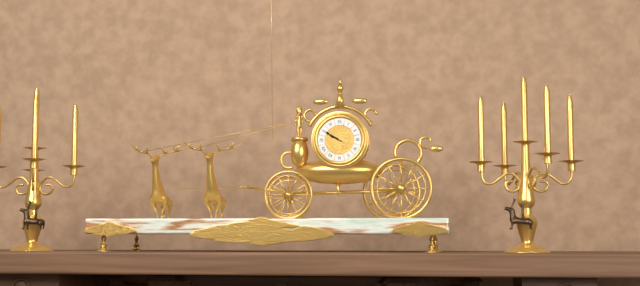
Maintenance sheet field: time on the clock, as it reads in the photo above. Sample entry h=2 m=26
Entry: h=9 m=50
